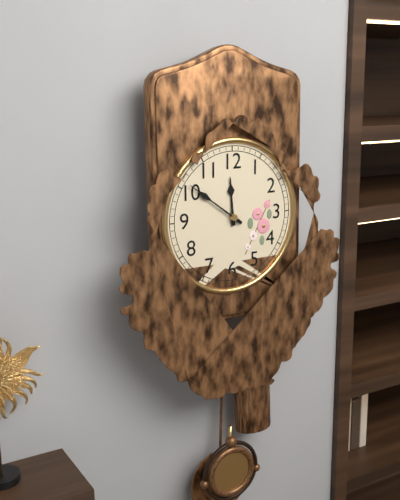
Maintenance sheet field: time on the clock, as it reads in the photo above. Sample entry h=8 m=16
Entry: h=11 m=51
